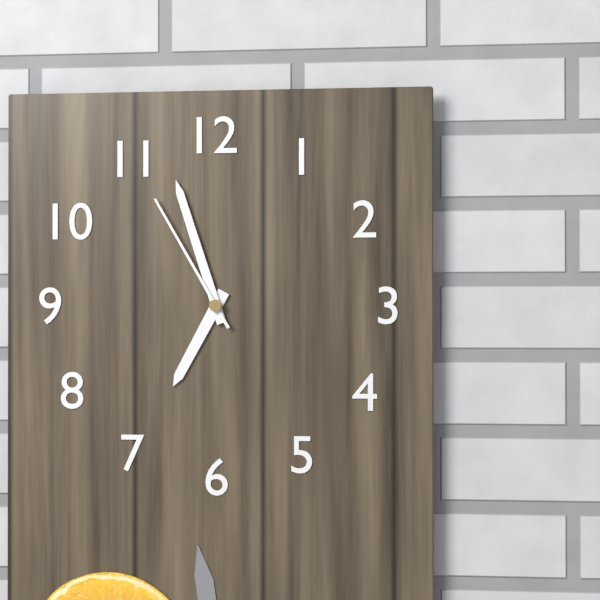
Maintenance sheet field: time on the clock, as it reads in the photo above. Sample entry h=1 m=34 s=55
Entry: h=6 m=57 s=55
